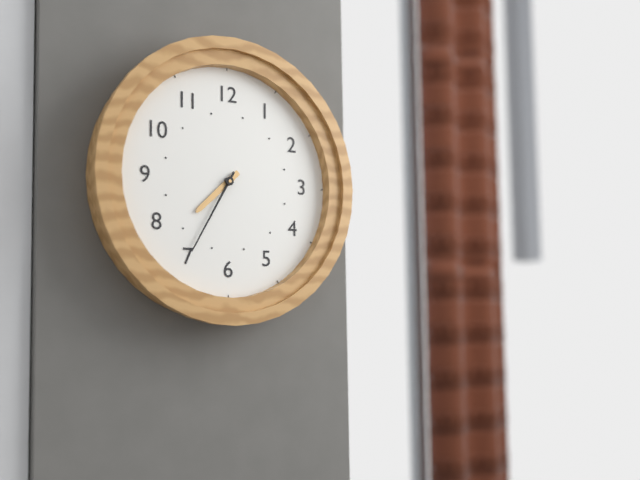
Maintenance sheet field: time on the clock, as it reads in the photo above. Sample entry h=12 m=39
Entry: h=7 m=35
